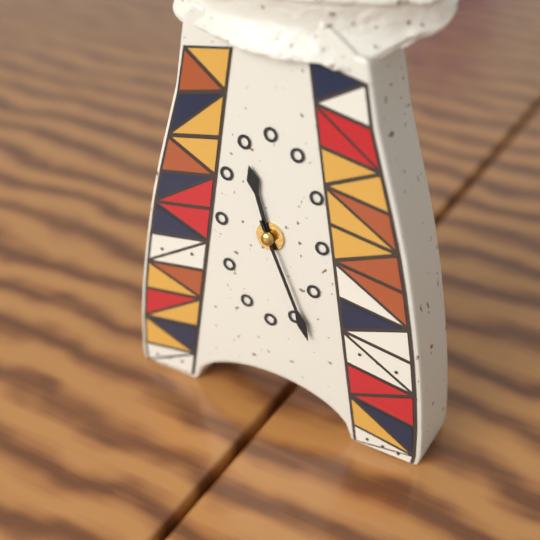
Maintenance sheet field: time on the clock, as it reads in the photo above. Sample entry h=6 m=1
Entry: h=11 m=26
